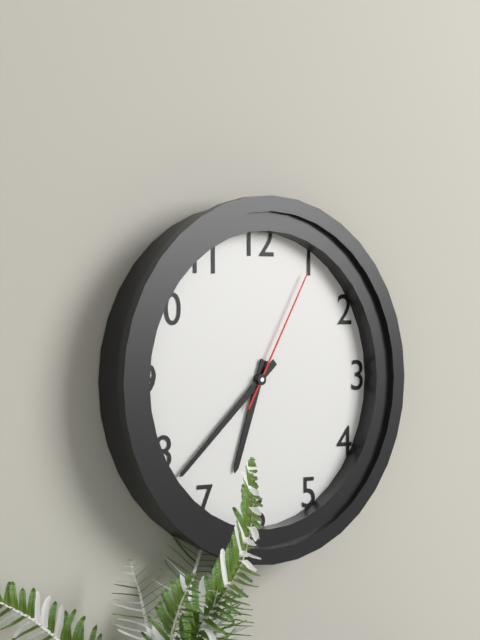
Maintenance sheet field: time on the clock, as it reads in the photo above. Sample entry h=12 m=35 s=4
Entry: h=6 m=38 s=5
